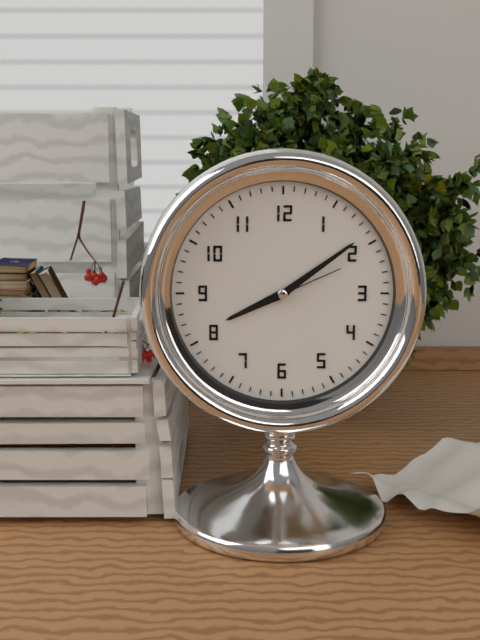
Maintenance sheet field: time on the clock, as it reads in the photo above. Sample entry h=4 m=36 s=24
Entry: h=8 m=9 s=11
